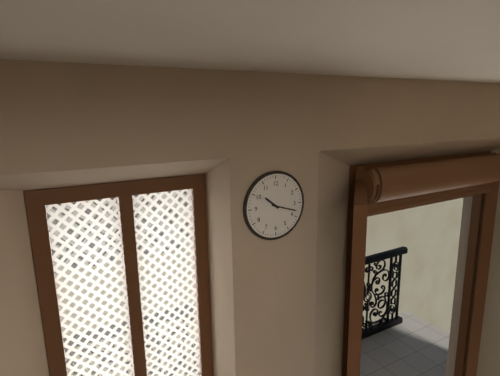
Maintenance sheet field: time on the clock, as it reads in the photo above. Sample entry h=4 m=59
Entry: h=10 m=18
